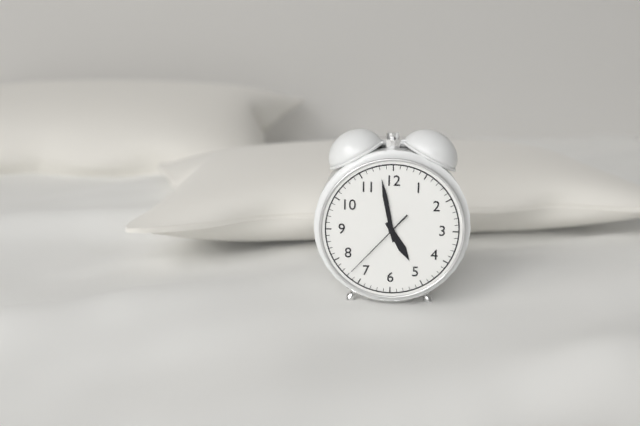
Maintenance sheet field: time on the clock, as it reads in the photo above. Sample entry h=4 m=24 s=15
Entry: h=4 m=58 s=37
